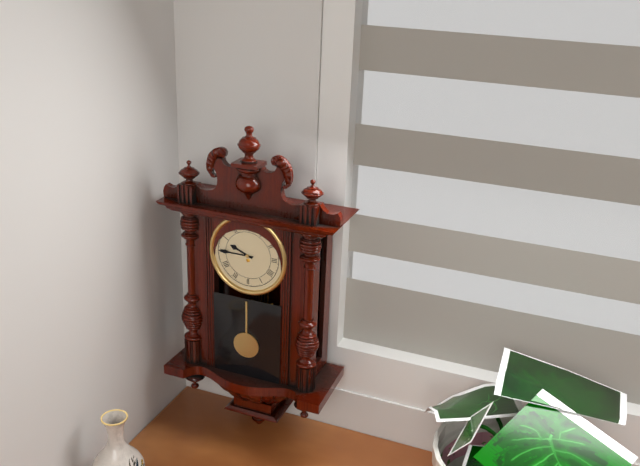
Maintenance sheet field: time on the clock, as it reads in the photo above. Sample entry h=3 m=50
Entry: h=9 m=45
